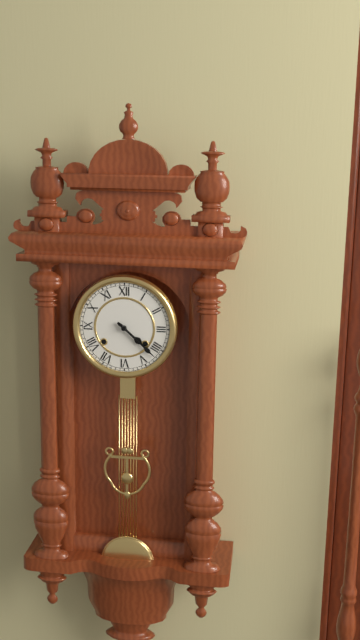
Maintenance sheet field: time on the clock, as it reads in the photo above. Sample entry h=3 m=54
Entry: h=4 m=22
